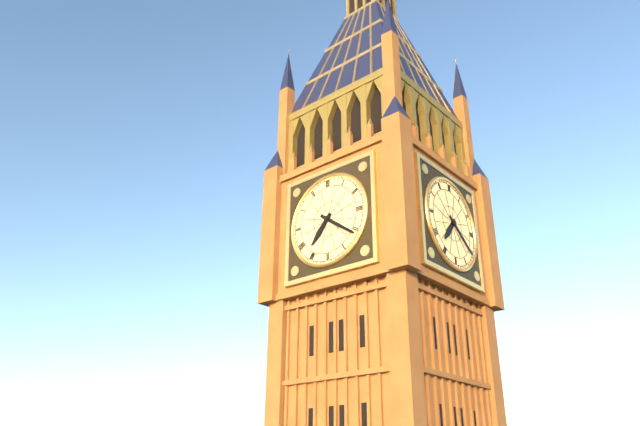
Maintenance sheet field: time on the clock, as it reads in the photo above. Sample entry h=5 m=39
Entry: h=7 m=21
